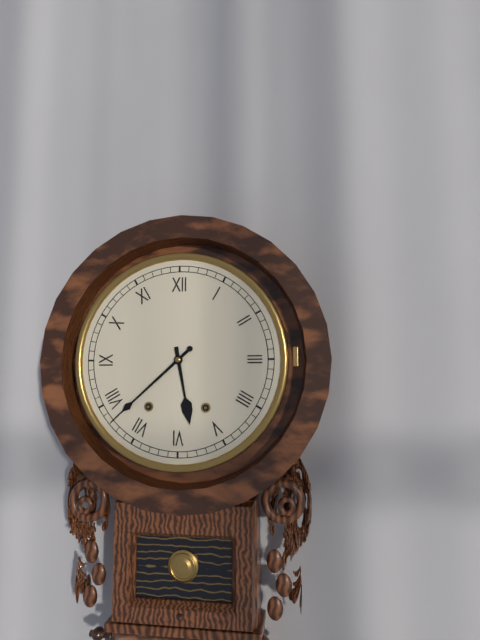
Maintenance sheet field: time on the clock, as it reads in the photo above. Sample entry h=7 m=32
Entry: h=5 m=38
